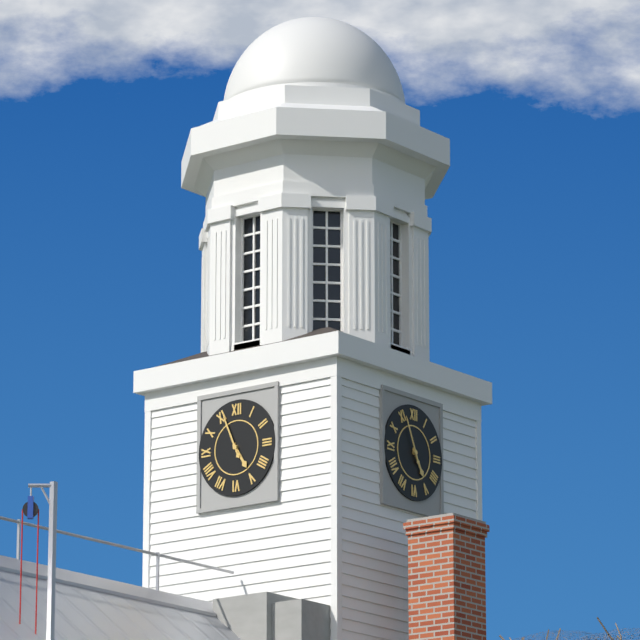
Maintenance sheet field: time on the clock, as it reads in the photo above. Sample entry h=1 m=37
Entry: h=4 m=56
